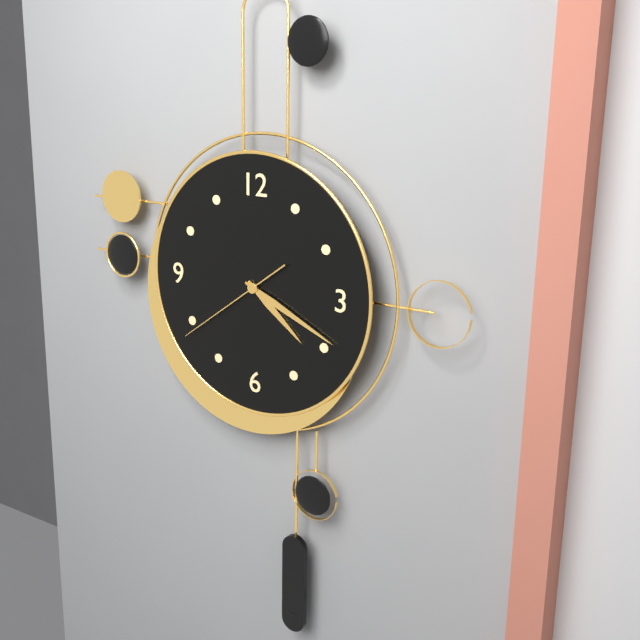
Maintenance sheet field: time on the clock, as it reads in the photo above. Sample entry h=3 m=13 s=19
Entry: h=4 m=19 s=39
